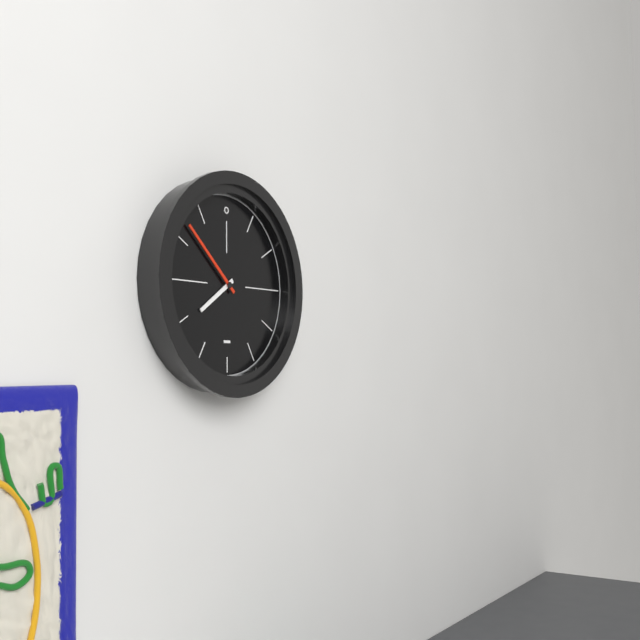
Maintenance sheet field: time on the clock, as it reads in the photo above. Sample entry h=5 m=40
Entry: h=7 m=52
